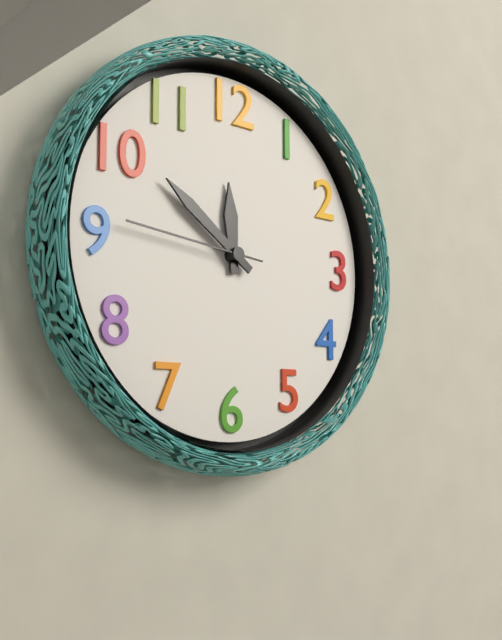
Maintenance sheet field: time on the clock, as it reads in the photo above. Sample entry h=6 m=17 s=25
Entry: h=11 m=51 s=46
